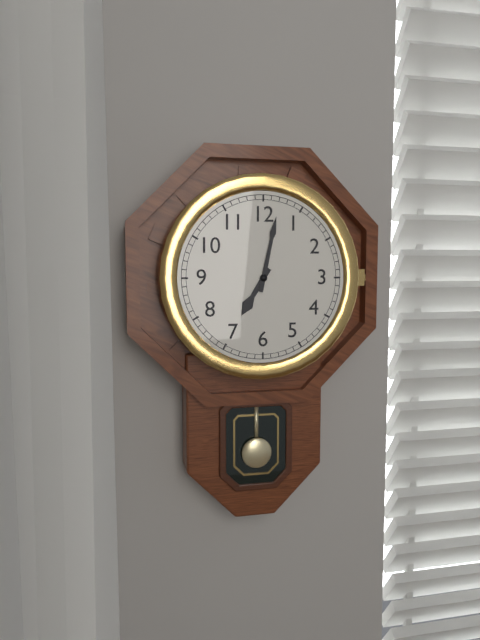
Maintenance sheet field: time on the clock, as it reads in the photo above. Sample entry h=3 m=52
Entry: h=7 m=2
